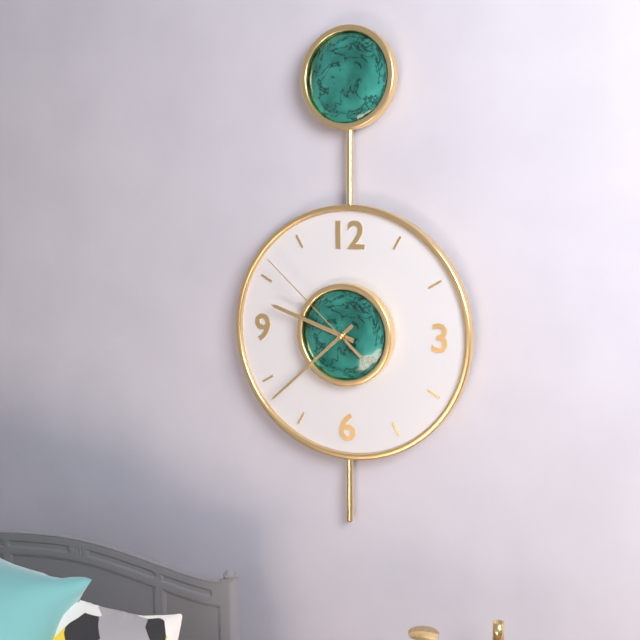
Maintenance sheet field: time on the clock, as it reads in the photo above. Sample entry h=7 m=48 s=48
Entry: h=9 m=38 s=52
